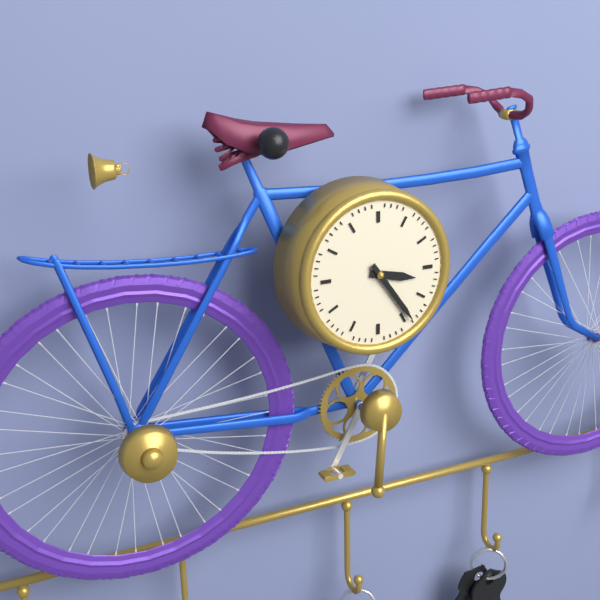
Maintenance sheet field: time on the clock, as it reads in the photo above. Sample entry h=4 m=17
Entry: h=3 m=24
